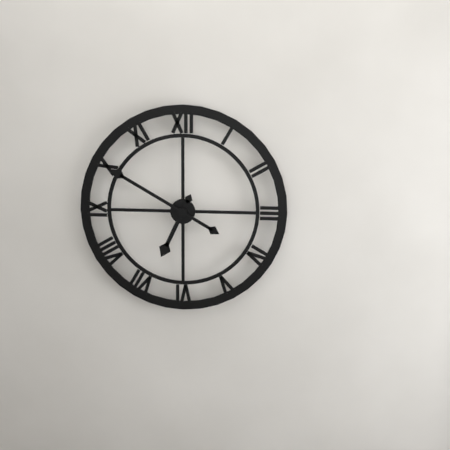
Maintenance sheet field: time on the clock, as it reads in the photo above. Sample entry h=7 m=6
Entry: h=6 m=50
